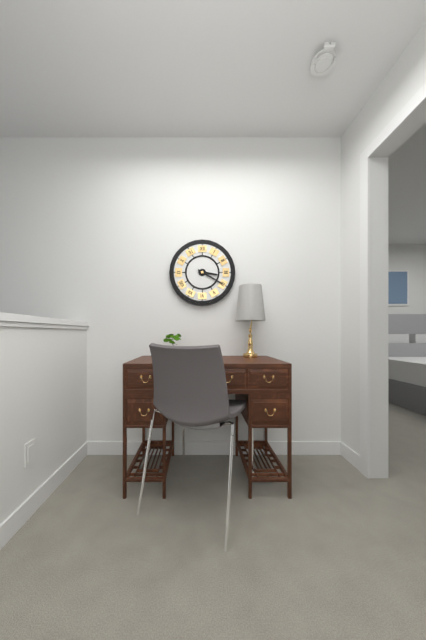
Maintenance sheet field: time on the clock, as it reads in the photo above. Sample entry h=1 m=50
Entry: h=3 m=20
